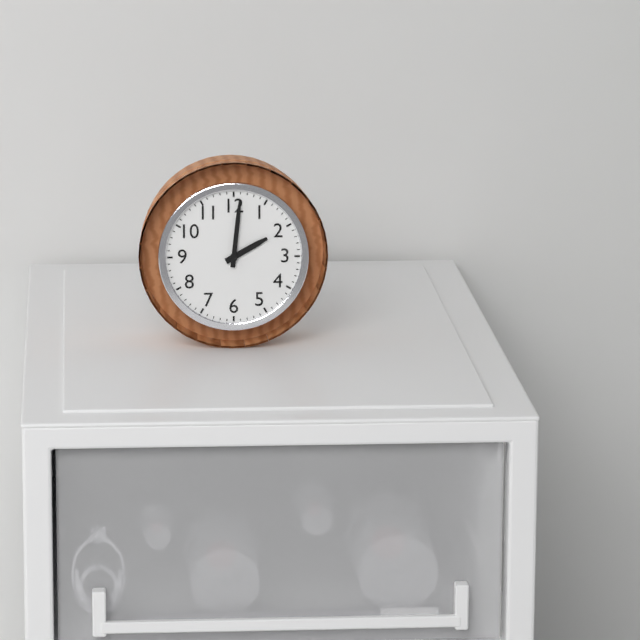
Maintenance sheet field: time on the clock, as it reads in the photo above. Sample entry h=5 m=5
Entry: h=2 m=1
